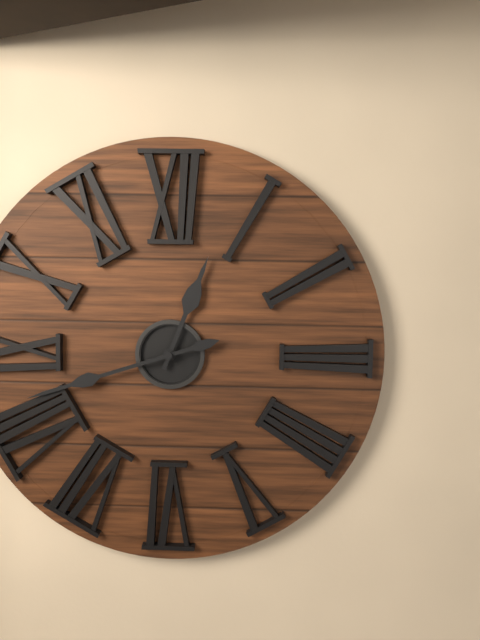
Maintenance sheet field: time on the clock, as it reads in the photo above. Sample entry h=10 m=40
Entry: h=12 m=42
